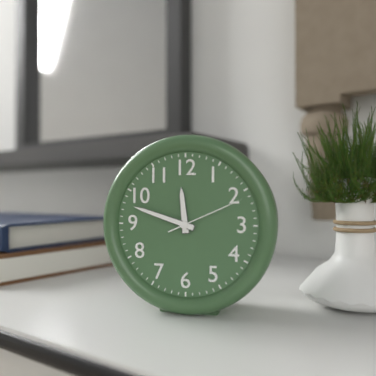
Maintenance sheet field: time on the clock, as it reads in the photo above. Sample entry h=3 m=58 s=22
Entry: h=11 m=48 s=11
